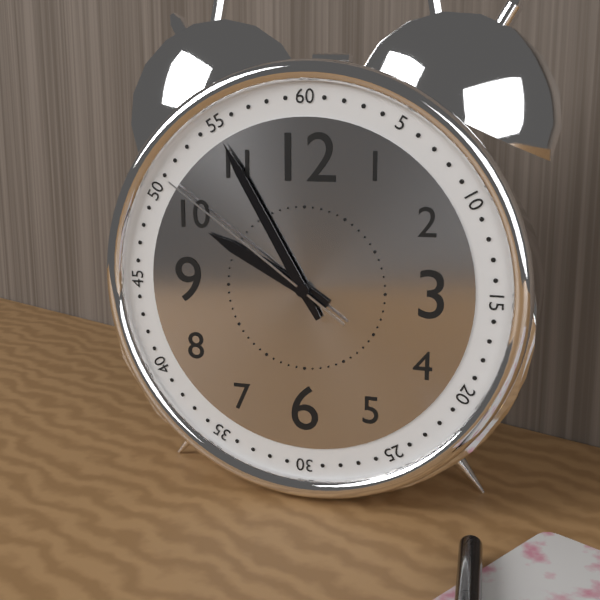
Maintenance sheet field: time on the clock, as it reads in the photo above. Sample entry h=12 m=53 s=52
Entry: h=9 m=55 s=51
